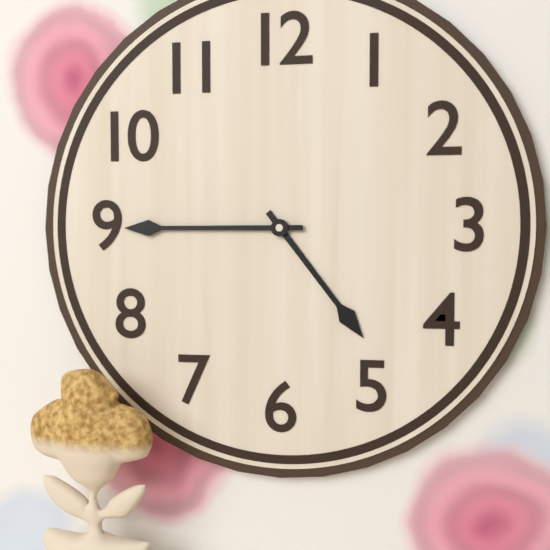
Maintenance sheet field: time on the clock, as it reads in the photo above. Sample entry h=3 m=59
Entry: h=4 m=45
